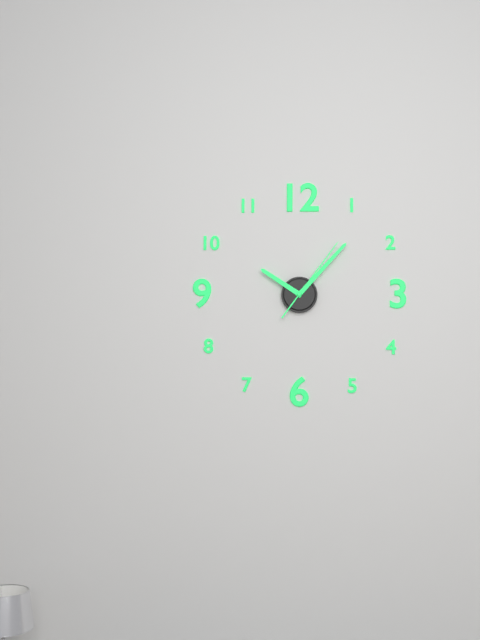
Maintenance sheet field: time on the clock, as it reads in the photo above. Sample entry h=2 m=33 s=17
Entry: h=10 m=7 s=6
